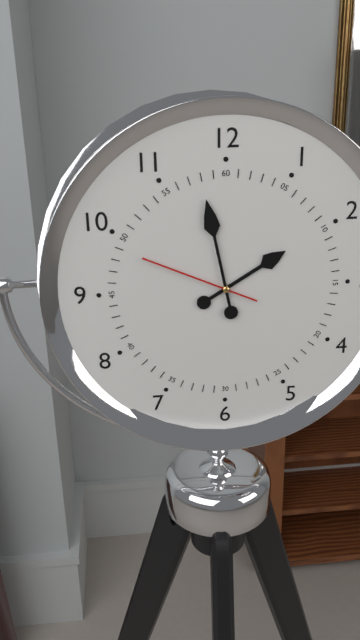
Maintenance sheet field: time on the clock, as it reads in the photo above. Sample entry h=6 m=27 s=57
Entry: h=1 m=58 s=49
